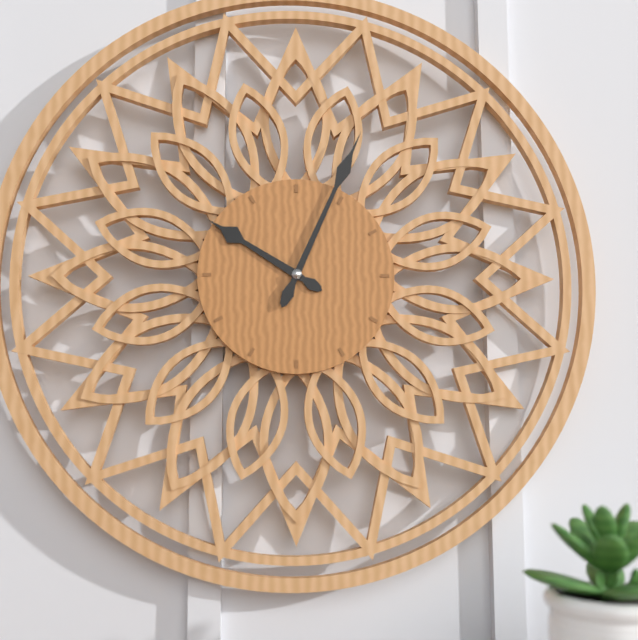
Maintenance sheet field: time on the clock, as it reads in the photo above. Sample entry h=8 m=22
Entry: h=10 m=4
